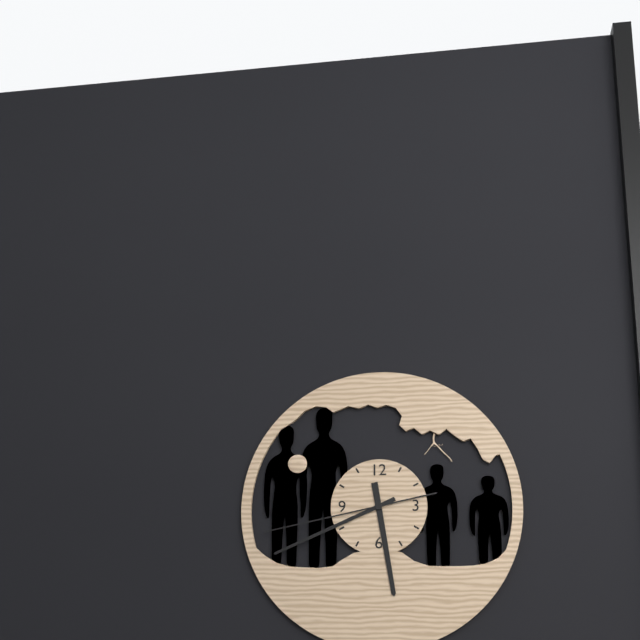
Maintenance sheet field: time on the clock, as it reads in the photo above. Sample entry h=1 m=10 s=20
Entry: h=5 m=41 s=43
